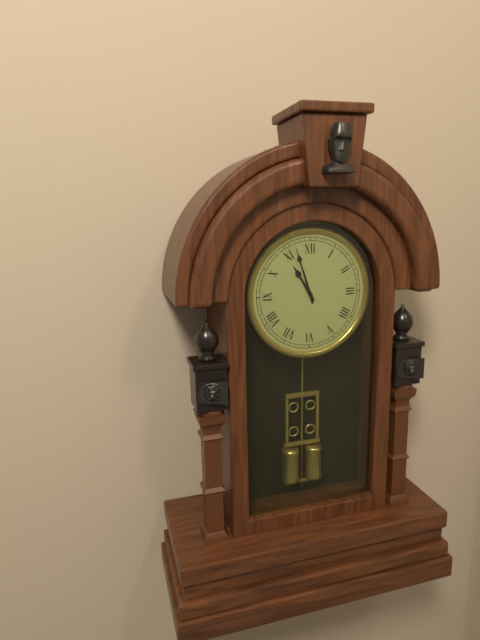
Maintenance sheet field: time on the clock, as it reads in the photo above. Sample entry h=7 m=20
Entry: h=10 m=57
